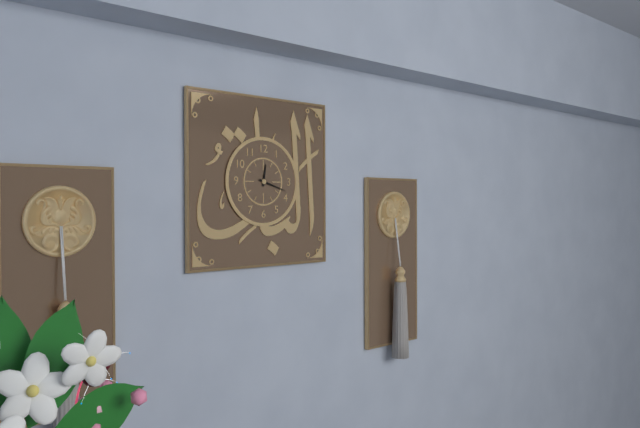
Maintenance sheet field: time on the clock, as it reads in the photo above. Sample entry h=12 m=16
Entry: h=12 m=18
